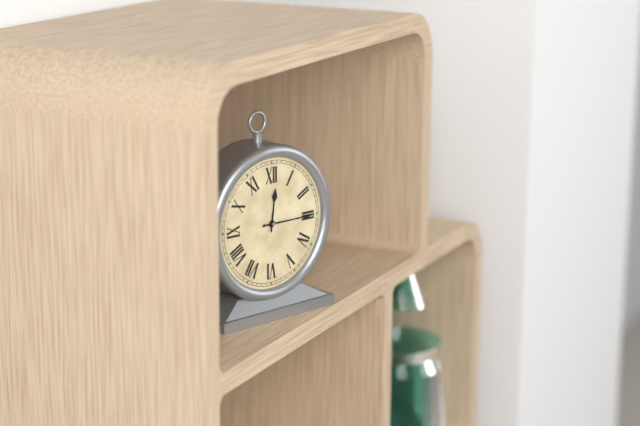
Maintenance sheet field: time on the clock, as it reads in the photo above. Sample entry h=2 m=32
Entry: h=12 m=15
